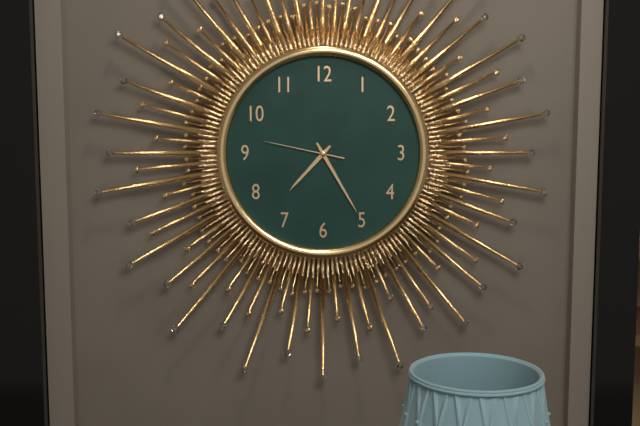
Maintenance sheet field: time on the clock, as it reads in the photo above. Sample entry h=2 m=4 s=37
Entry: h=7 m=25 s=47
